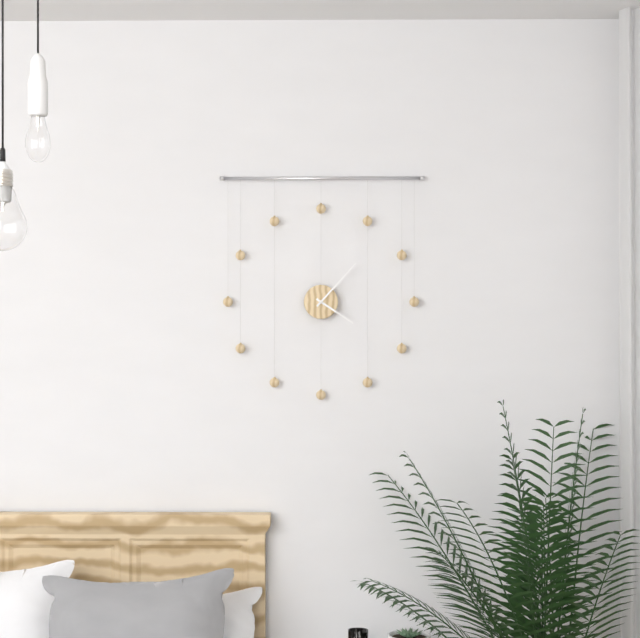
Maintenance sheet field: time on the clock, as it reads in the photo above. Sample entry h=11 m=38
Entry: h=4 m=7
